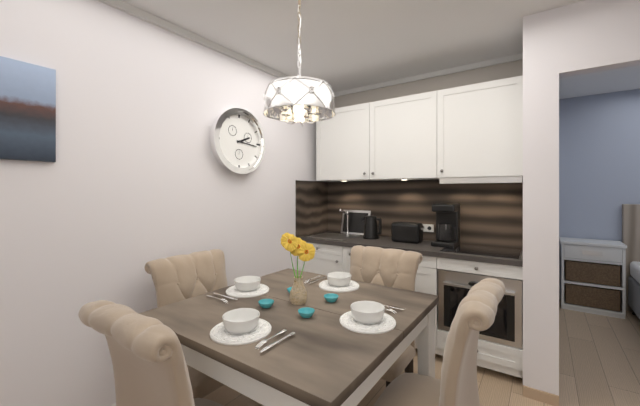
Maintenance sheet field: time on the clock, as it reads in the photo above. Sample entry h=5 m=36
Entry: h=2 m=16
